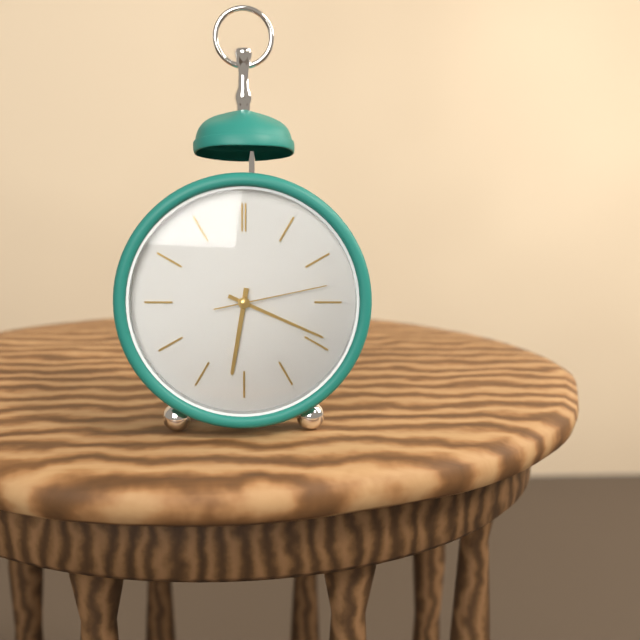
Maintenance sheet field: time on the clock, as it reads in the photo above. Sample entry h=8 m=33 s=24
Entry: h=6 m=19 s=13
